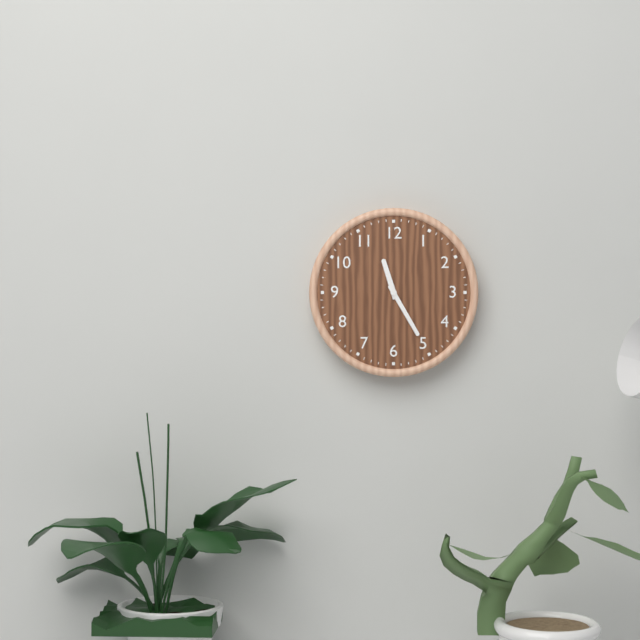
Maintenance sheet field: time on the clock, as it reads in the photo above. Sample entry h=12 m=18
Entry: h=11 m=25
